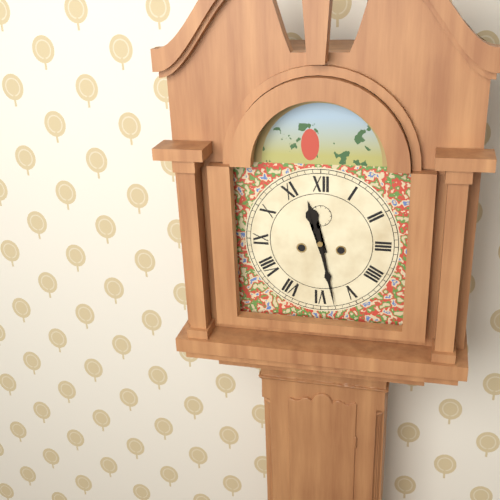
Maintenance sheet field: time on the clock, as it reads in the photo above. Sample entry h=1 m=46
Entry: h=11 m=28
